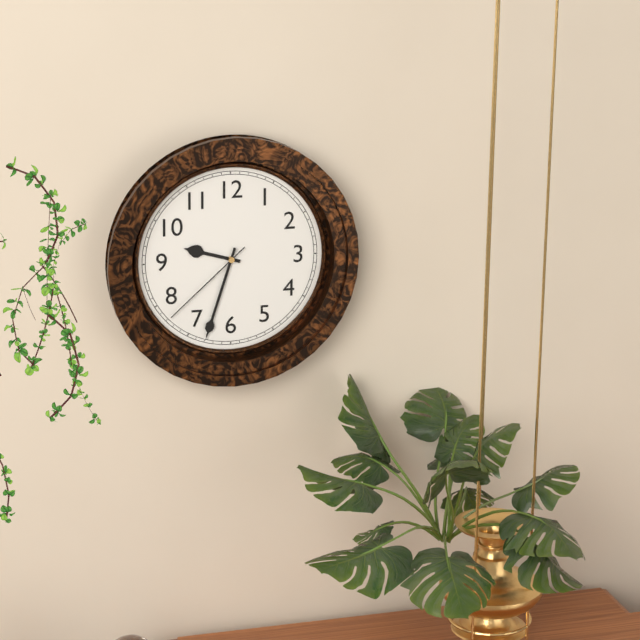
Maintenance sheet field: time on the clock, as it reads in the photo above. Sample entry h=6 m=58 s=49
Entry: h=9 m=33 s=38
